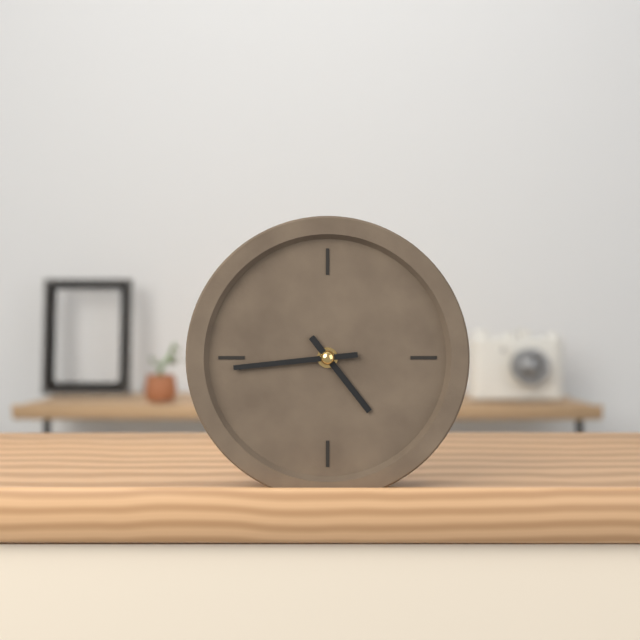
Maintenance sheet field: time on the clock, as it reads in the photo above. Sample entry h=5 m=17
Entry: h=4 m=44
